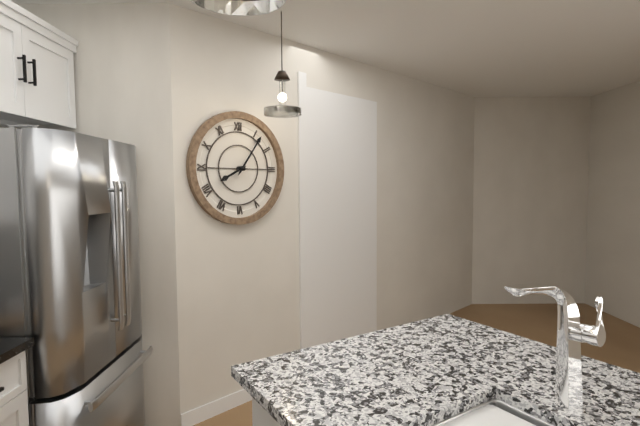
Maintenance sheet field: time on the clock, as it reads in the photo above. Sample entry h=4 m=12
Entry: h=8 m=6
